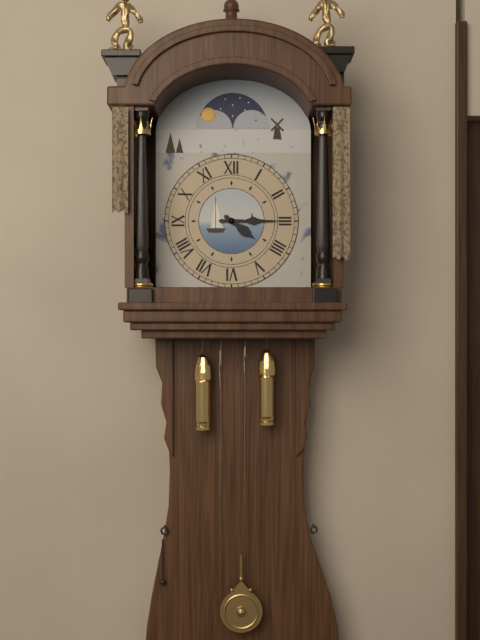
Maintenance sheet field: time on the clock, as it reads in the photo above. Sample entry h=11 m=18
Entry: h=4 m=15
